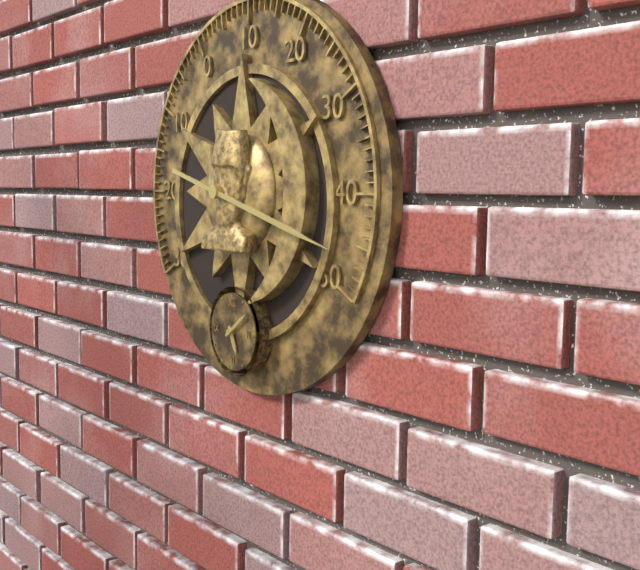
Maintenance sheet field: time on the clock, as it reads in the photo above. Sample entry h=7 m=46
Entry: h=5 m=9
